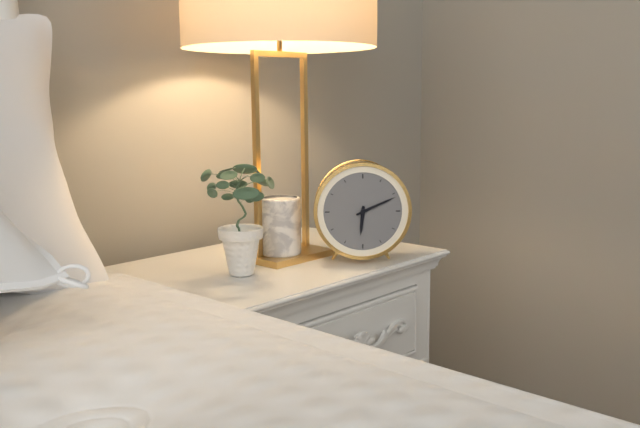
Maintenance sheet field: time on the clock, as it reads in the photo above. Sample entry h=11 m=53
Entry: h=6 m=11
